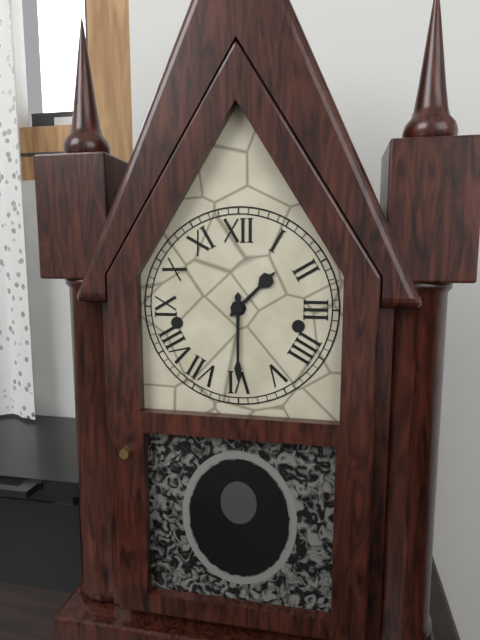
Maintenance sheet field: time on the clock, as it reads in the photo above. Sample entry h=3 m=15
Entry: h=1 m=30
